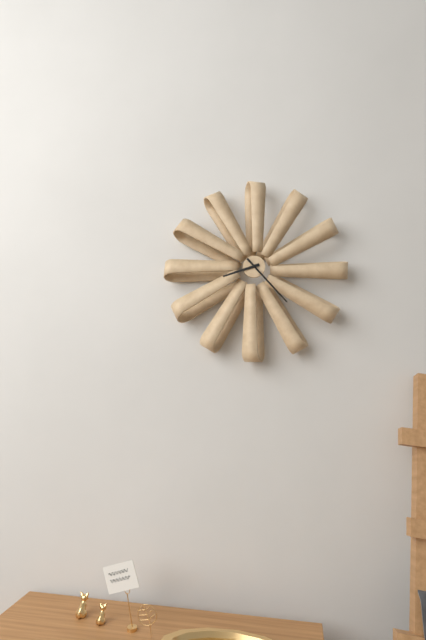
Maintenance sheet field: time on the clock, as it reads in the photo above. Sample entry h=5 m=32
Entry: h=8 m=23
